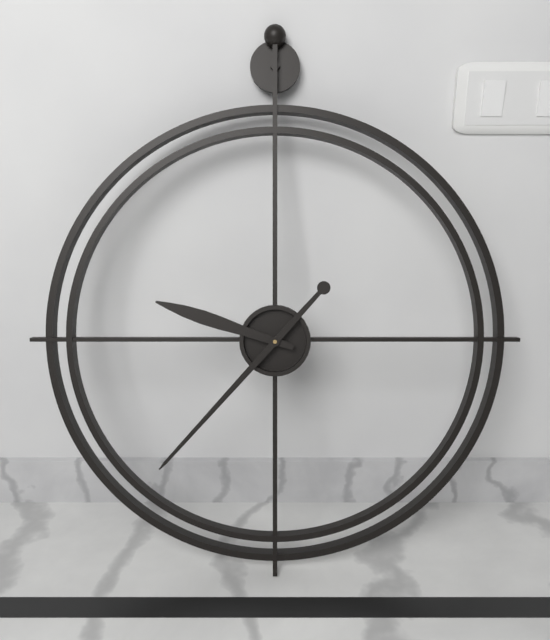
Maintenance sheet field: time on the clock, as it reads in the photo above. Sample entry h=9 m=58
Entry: h=9 m=37
